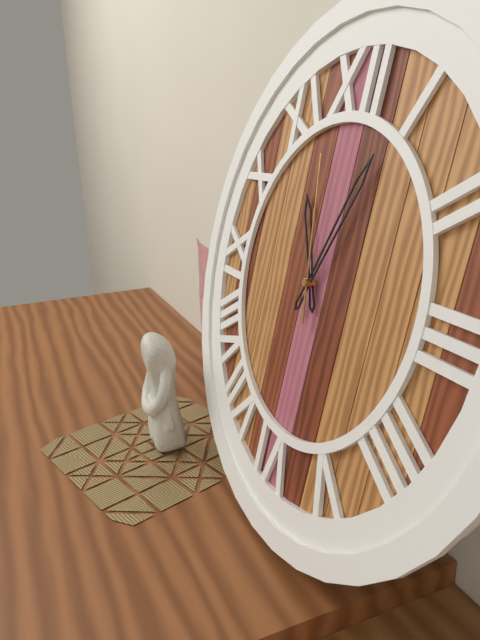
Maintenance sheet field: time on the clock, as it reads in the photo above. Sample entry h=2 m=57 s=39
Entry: h=11 m=4 s=58
